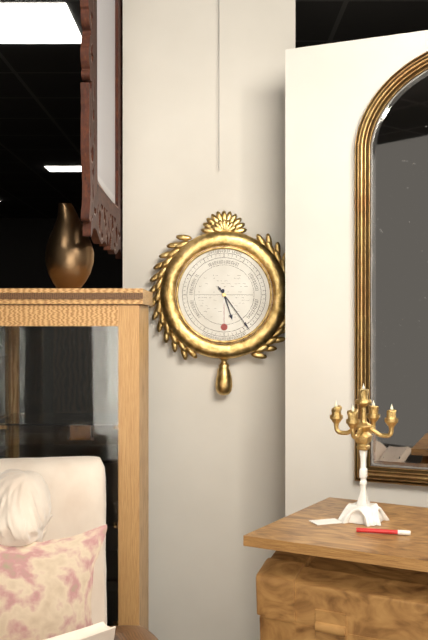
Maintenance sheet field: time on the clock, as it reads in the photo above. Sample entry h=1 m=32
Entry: h=5 m=24
